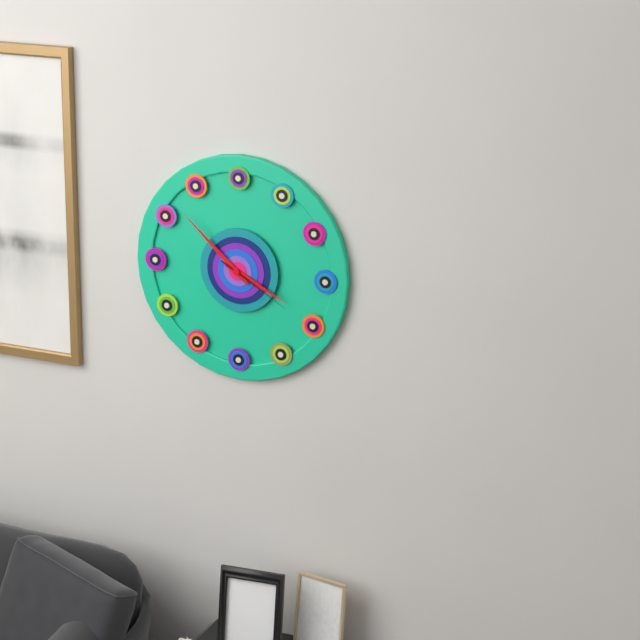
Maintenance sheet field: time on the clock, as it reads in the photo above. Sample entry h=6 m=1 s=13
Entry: h=3 m=52 s=20
